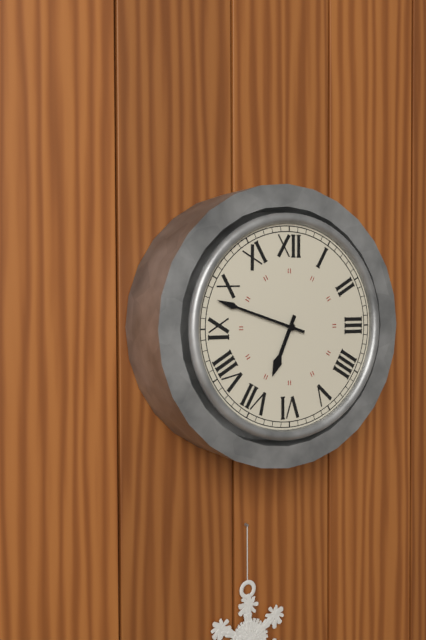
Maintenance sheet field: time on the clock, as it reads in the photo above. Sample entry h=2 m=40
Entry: h=6 m=48
